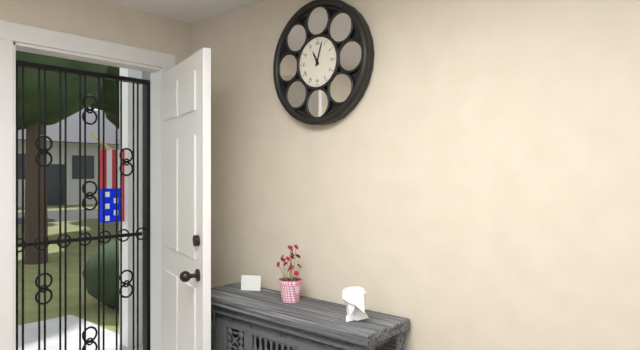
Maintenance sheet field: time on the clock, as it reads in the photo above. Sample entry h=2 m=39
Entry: h=11 m=3
